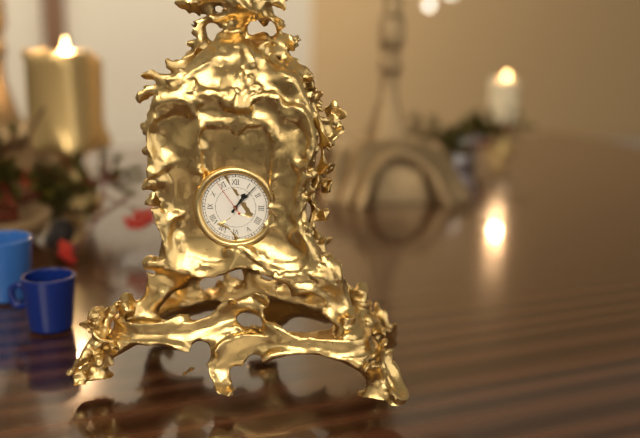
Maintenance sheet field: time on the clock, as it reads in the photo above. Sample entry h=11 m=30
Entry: h=1 m=7
